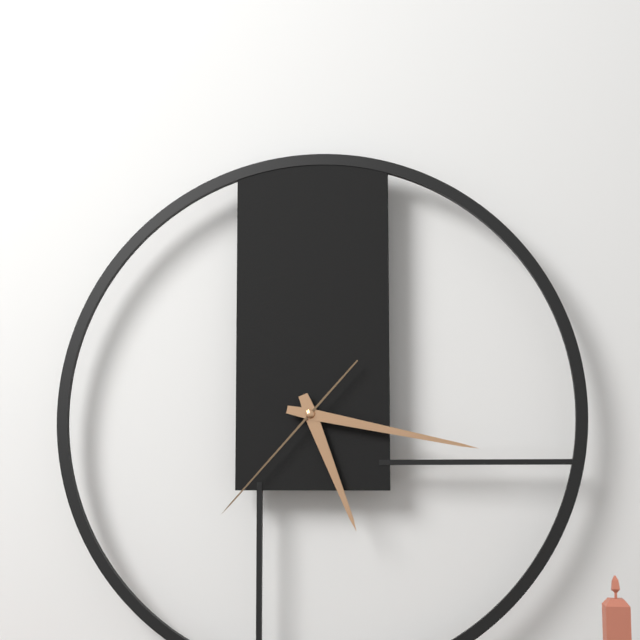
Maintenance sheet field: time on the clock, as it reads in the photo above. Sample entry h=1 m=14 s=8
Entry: h=5 m=17 s=37
